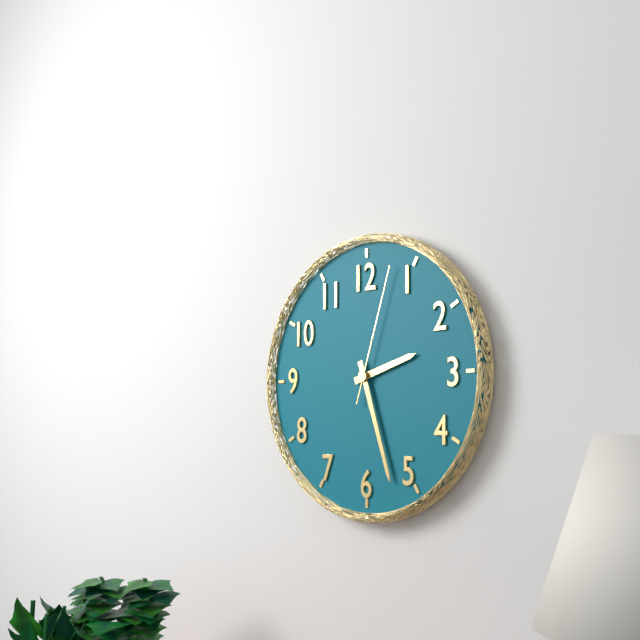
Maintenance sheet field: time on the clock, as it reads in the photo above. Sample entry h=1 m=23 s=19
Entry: h=2 m=27 s=3
